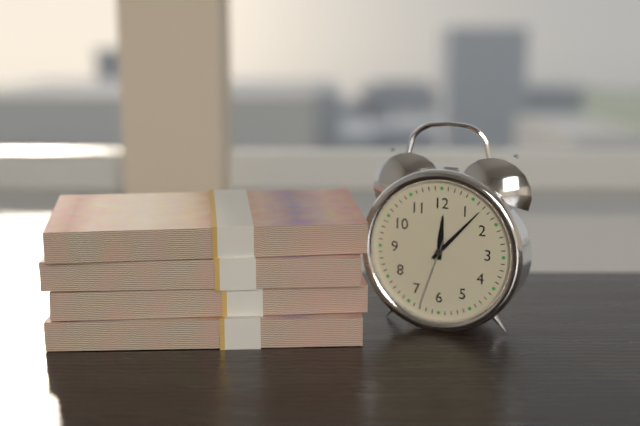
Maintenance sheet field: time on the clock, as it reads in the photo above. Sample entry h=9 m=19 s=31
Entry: h=12 m=7 s=33
